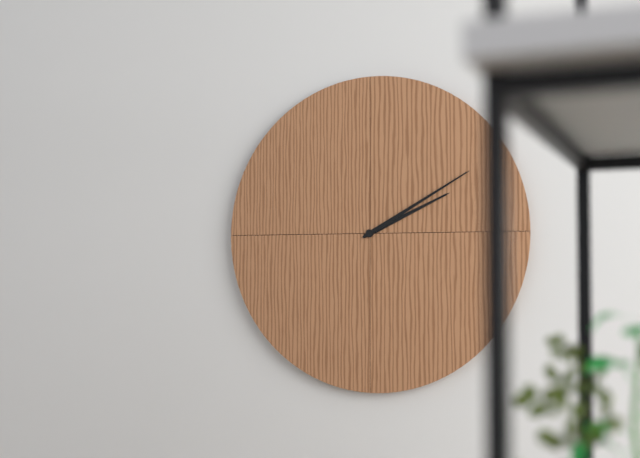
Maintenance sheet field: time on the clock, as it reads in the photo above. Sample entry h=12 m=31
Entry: h=2 m=10
